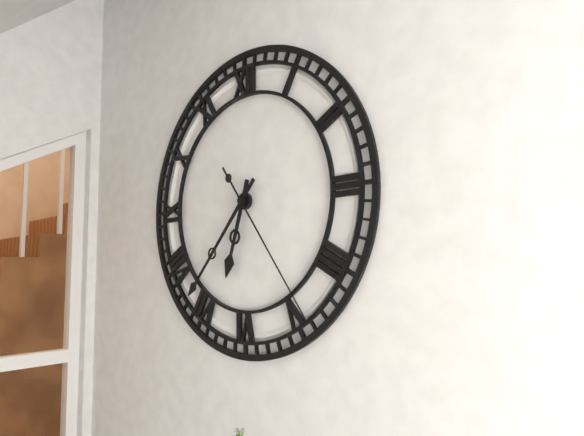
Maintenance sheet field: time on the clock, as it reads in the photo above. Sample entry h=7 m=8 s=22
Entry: h=6 m=37 s=24
